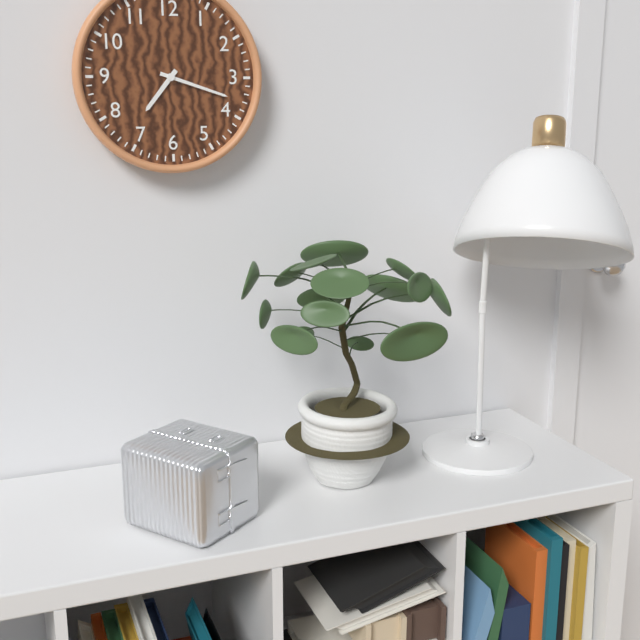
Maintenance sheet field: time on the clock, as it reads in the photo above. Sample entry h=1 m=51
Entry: h=7 m=18
